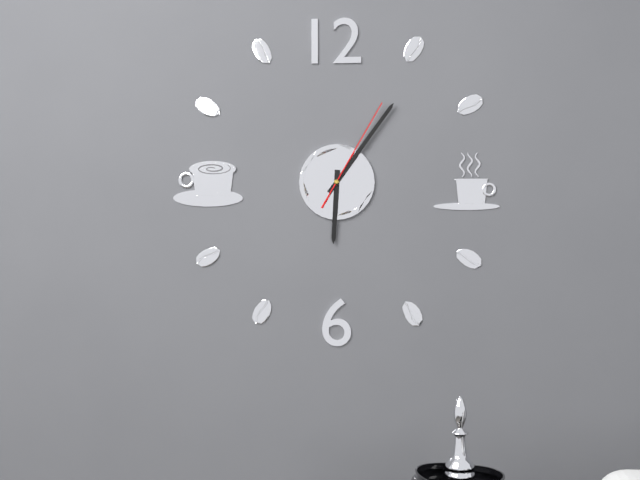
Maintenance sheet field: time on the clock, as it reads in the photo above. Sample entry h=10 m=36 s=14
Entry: h=6 m=6 s=5
